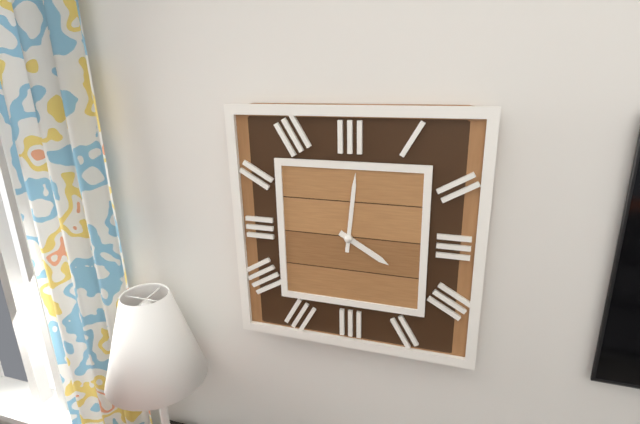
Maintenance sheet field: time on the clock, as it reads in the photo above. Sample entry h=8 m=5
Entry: h=4 m=1
